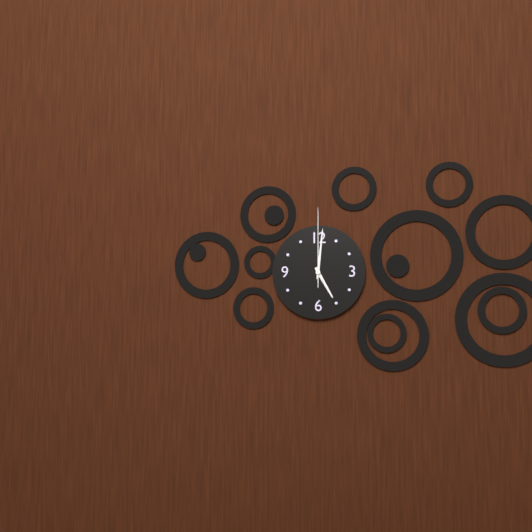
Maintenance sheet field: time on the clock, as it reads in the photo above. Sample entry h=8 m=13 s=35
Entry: h=5 m=1 s=0
